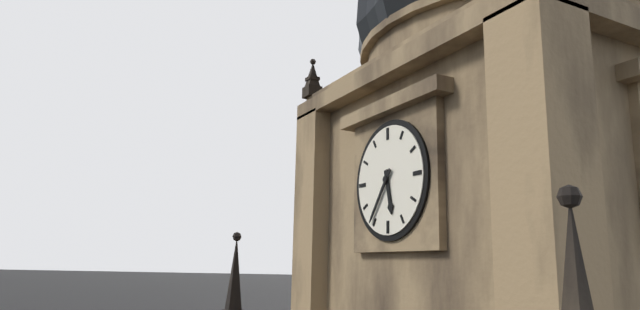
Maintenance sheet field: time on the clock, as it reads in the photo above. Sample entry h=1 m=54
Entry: h=5 m=36
